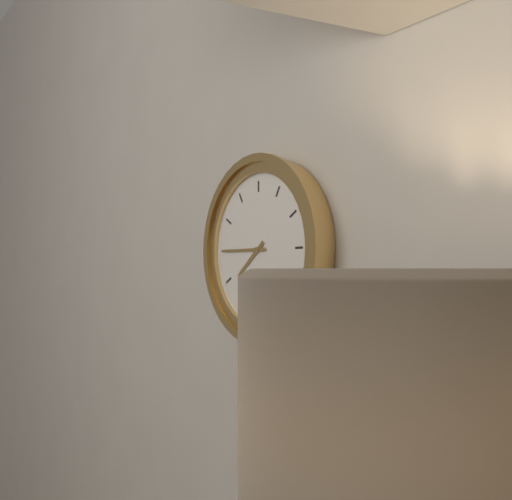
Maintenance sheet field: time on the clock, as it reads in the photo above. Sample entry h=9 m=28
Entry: h=7 m=45
